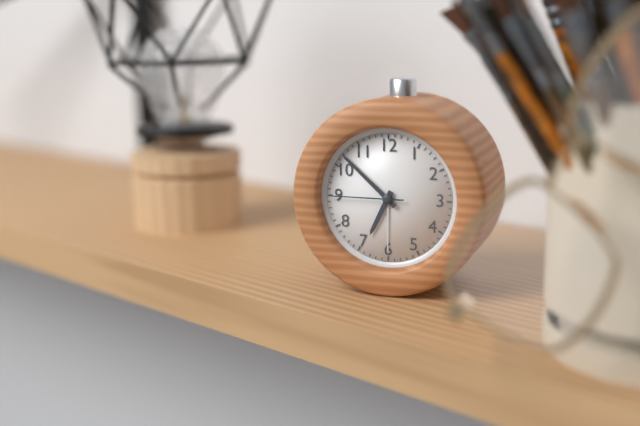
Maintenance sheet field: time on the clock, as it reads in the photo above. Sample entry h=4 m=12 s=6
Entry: h=6 m=52 s=45
